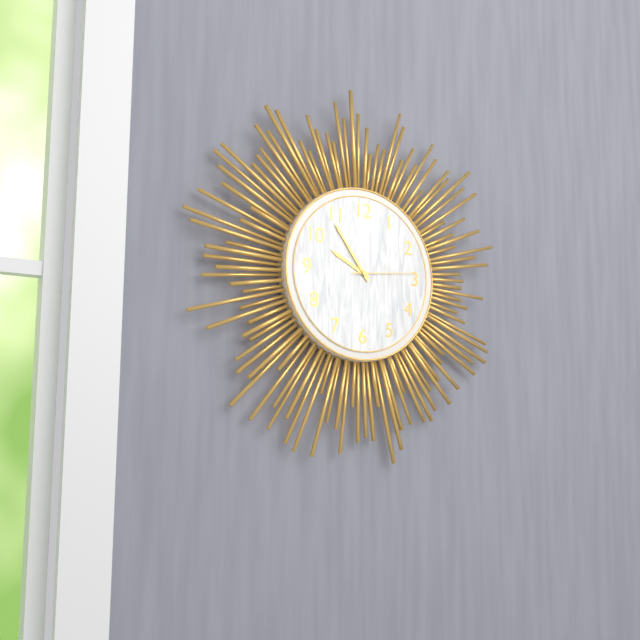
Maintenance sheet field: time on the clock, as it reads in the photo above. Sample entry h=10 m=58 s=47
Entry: h=9 m=54 s=14
